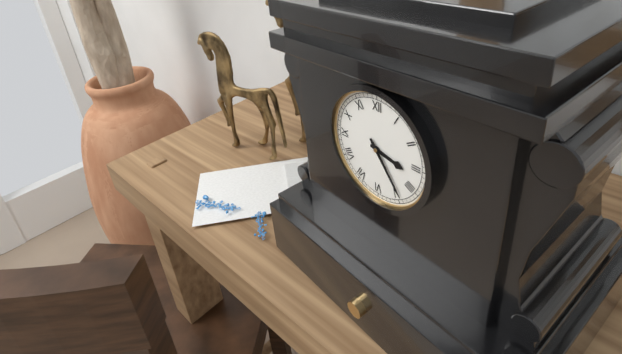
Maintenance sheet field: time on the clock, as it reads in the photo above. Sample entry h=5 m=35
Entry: h=3 m=24
